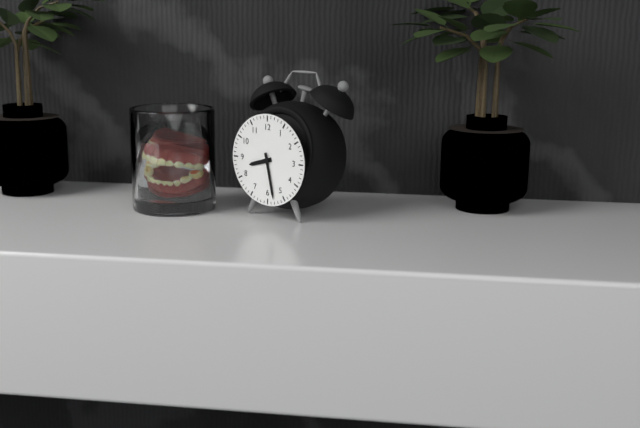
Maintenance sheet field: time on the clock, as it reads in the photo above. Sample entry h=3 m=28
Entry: h=8 m=28
